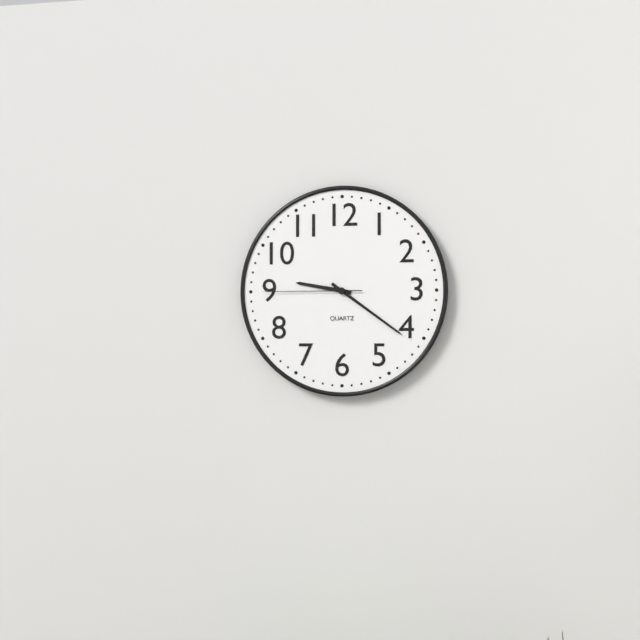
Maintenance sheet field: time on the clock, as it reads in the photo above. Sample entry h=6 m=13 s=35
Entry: h=9 m=21 s=45
